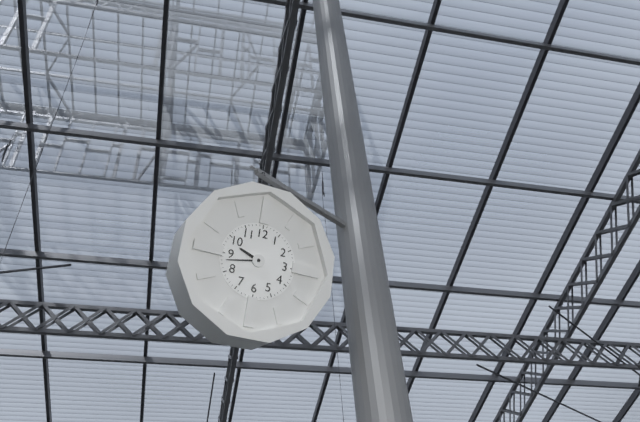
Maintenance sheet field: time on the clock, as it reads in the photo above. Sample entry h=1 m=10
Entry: h=9 m=43
